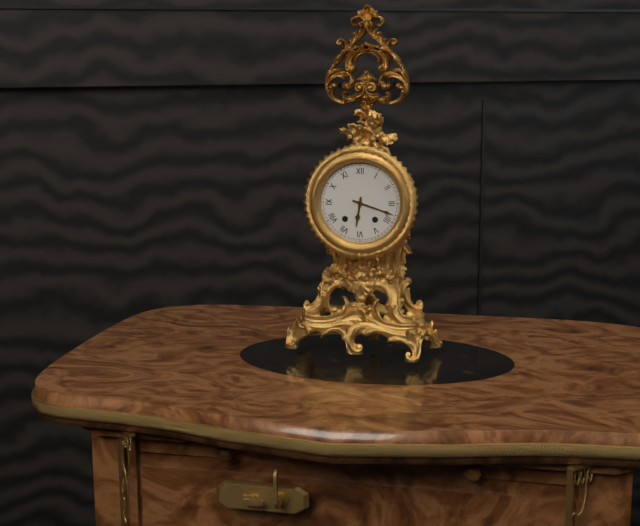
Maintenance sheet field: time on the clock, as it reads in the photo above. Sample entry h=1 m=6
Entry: h=6 m=18
